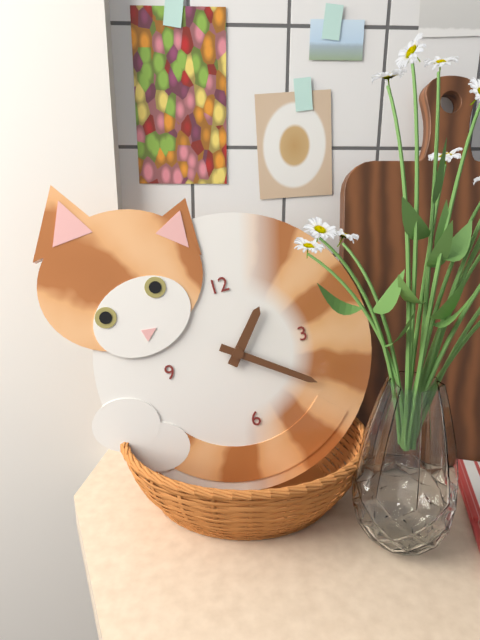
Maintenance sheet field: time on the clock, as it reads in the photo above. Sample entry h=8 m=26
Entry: h=1 m=21
